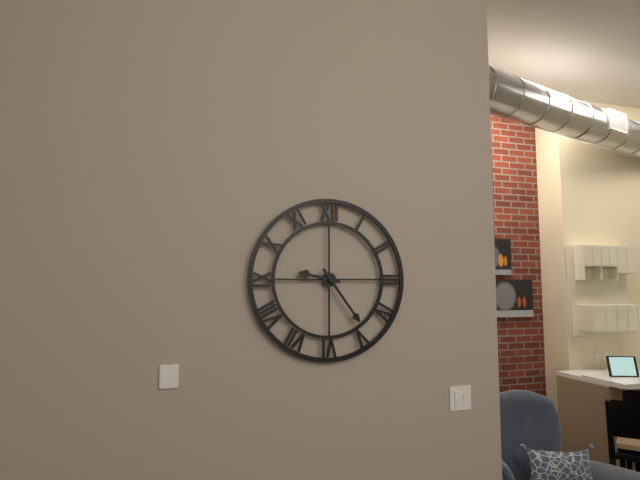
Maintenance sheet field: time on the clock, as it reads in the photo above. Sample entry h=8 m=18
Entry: h=9 m=24
